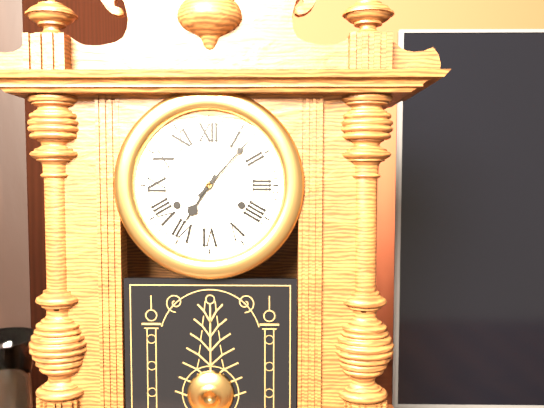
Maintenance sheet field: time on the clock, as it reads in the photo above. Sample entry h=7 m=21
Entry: h=7 m=7
